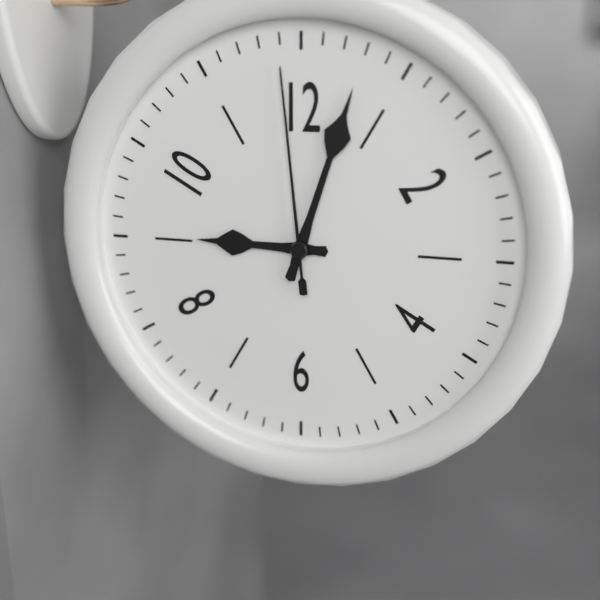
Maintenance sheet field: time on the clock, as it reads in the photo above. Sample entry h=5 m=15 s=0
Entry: h=9 m=3 s=59
